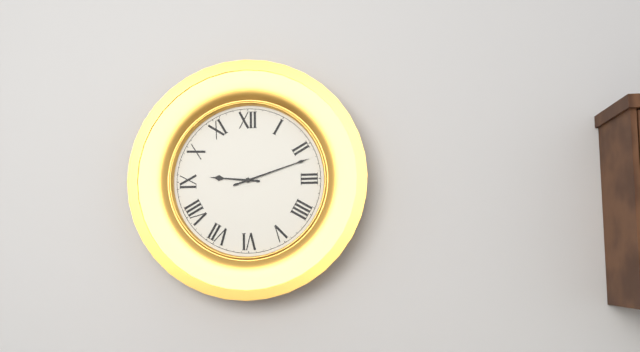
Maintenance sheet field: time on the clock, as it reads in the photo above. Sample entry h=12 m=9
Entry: h=9 m=12
